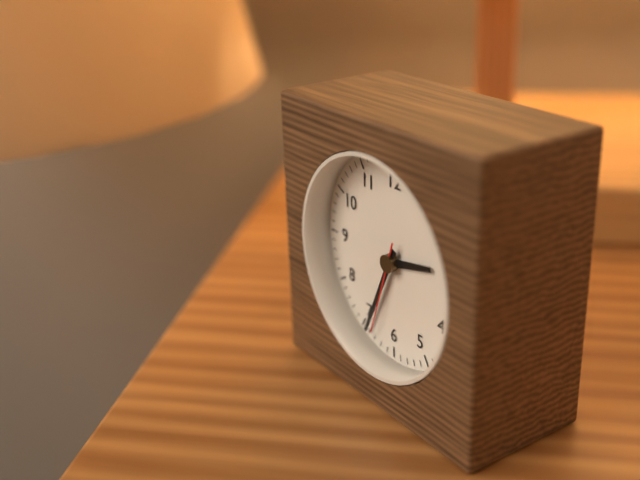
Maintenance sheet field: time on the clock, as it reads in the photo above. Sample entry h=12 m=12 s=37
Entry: h=2 m=34 s=33
